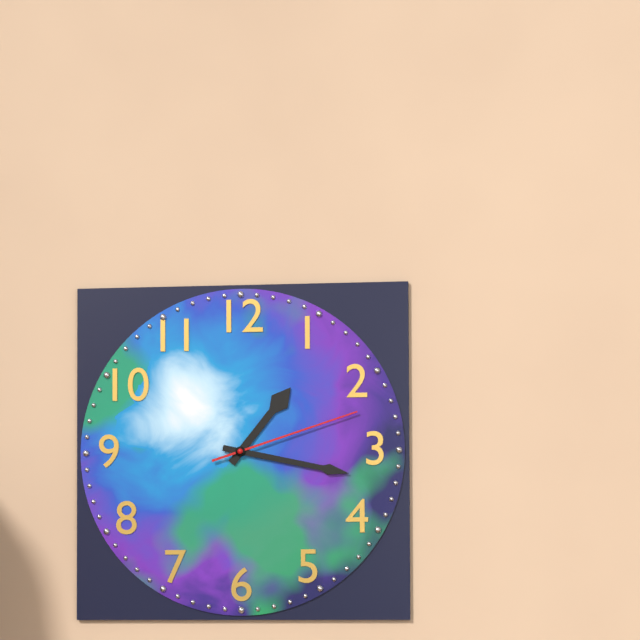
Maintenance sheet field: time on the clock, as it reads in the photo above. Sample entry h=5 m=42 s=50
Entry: h=1 m=17 s=12
